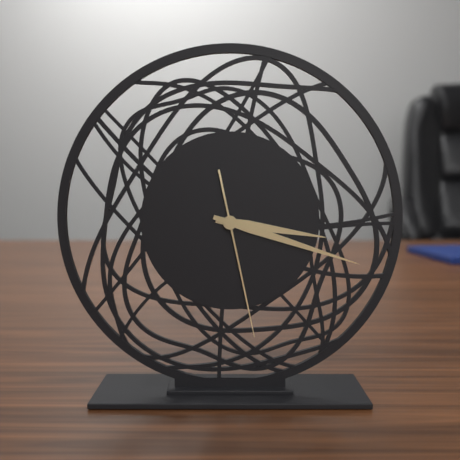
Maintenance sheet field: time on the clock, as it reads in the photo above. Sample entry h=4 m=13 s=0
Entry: h=3 m=18 s=28
